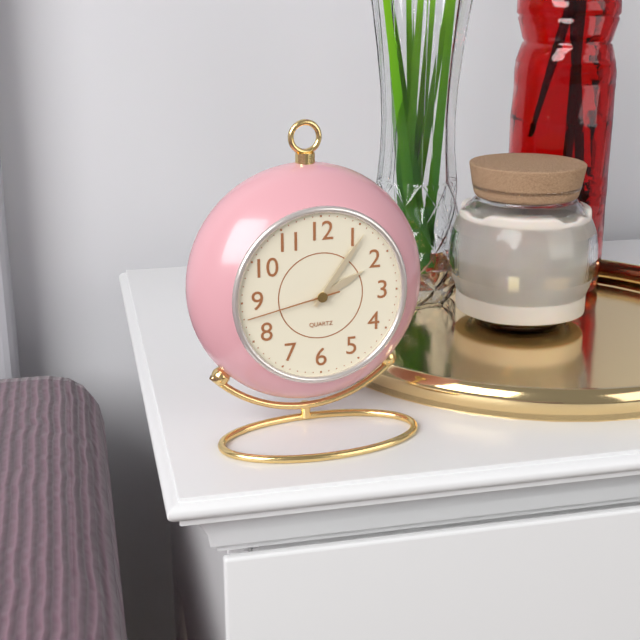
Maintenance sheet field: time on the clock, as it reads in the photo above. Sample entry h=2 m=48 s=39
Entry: h=2 m=6 s=43
